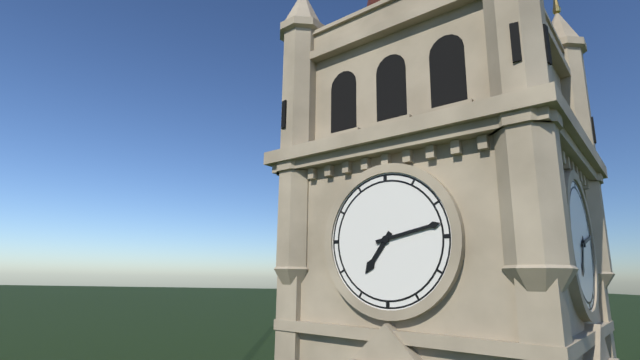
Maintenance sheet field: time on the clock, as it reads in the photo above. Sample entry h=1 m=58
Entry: h=7 m=13
